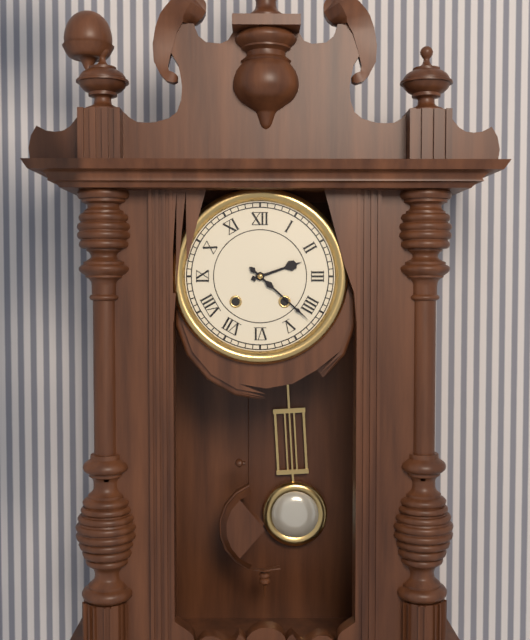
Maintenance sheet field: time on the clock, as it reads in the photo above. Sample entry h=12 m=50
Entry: h=2 m=22
